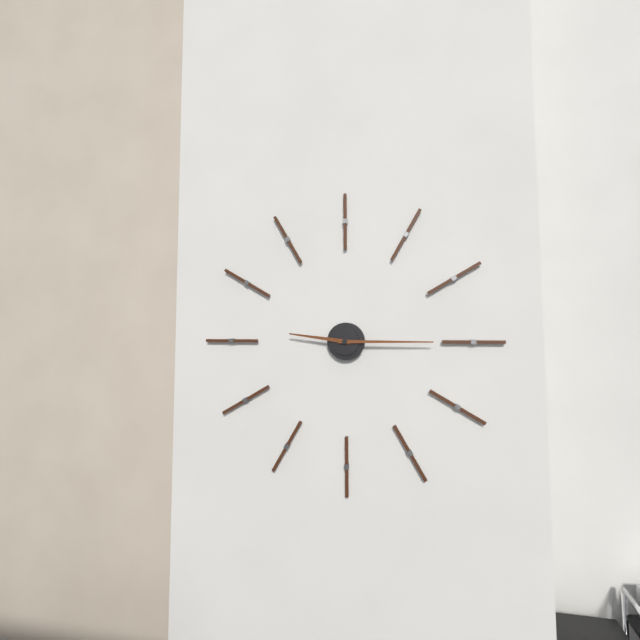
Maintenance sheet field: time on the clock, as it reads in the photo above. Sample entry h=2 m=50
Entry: h=9 m=15
